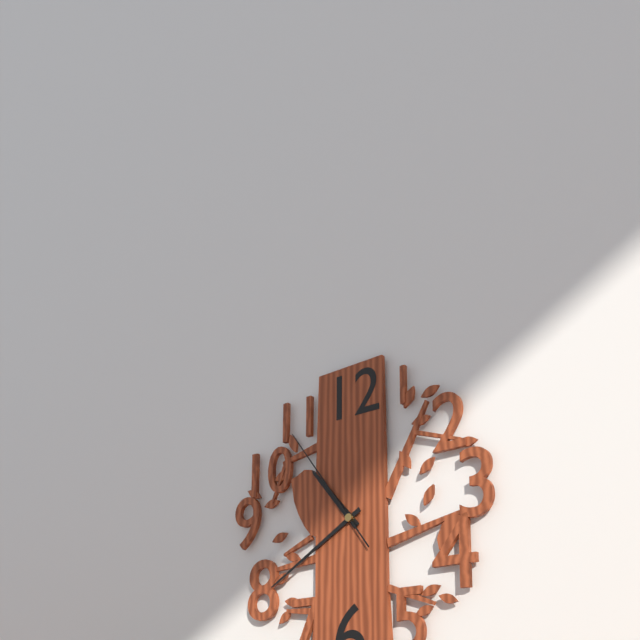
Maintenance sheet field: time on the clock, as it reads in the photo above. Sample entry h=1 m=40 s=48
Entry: h=10 m=40 s=54
